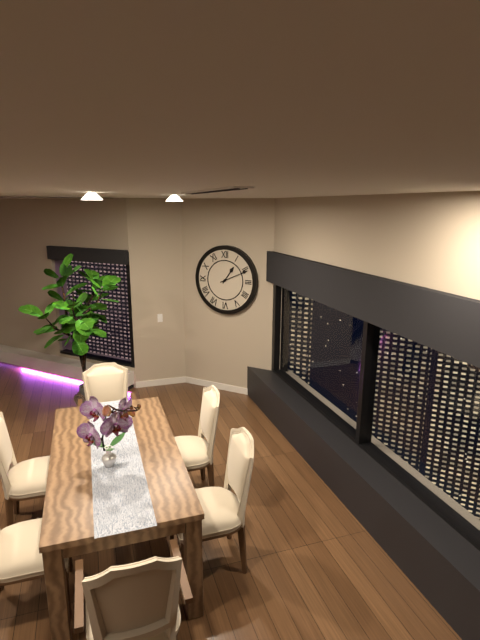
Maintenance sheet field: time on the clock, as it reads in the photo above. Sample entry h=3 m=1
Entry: h=1 m=11
